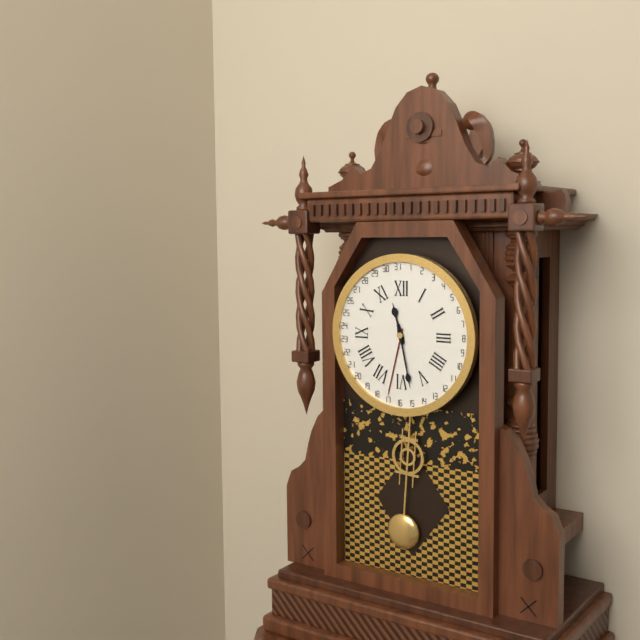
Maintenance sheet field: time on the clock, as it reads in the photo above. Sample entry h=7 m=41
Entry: h=11 m=28
